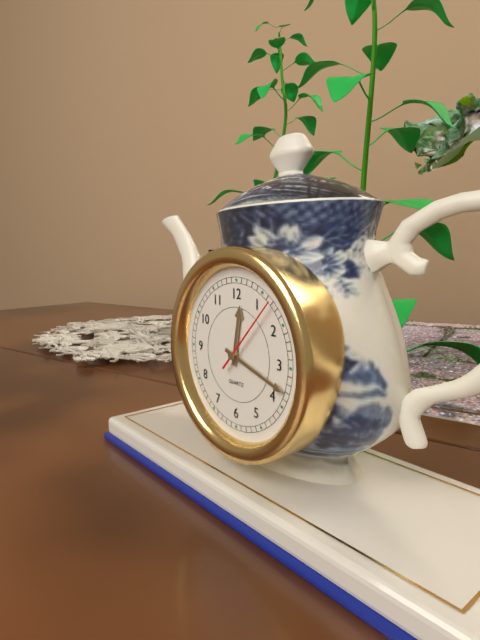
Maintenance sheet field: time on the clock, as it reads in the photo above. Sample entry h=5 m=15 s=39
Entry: h=12 m=18 s=7
